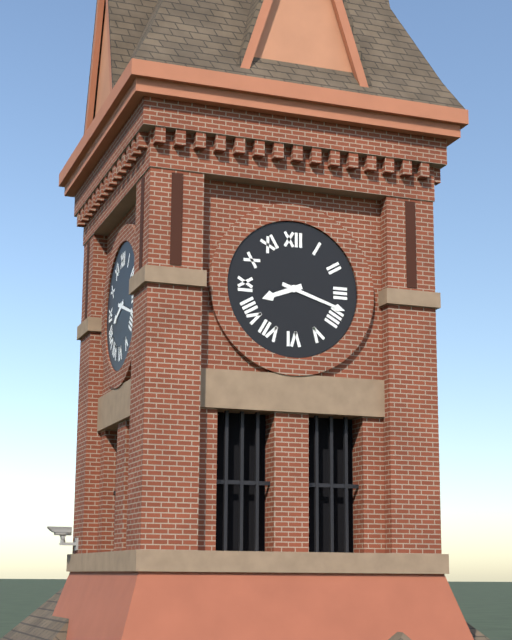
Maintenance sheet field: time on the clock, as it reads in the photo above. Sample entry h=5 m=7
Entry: h=8 m=18
